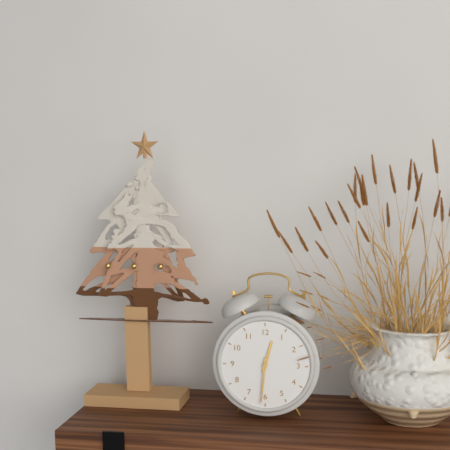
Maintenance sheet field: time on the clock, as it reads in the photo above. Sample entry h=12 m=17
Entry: h=12 m=31
